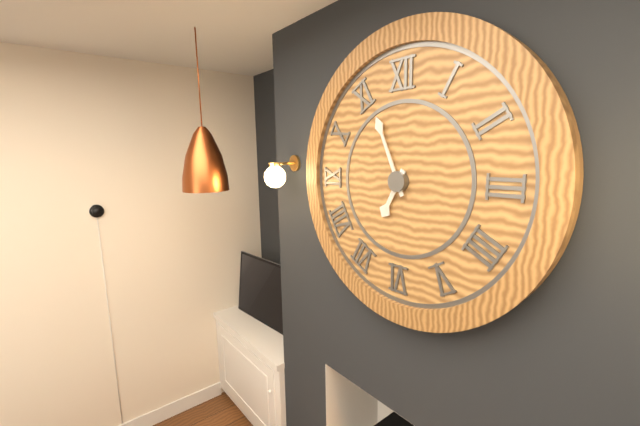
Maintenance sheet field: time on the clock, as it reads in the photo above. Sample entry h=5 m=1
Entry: h=6 m=56
